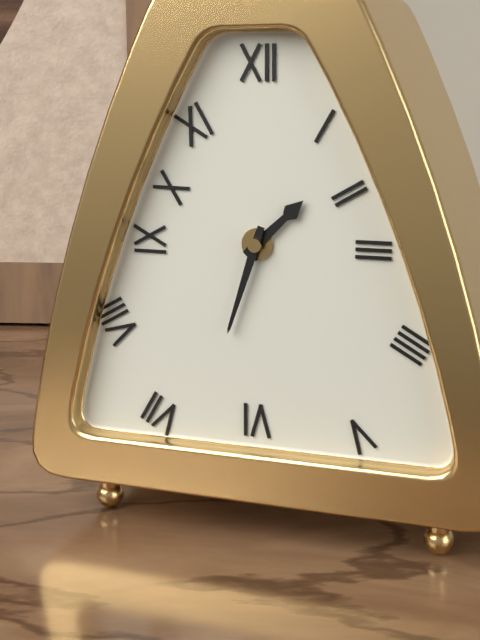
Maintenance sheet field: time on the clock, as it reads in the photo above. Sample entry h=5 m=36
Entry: h=1 m=33
